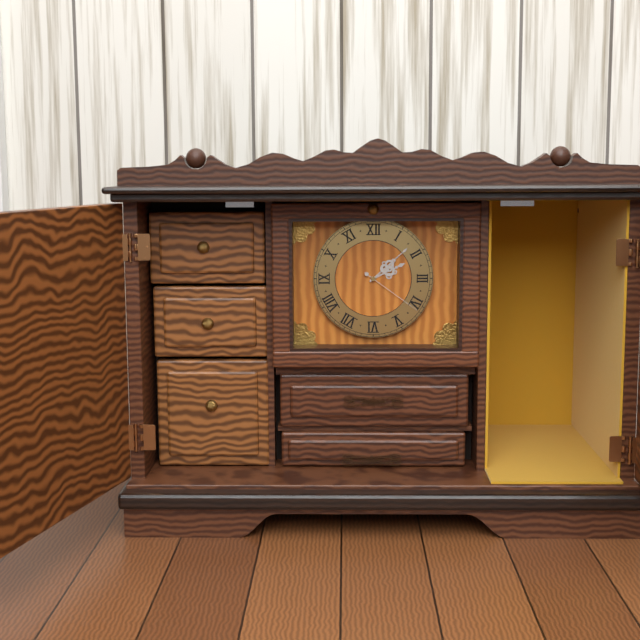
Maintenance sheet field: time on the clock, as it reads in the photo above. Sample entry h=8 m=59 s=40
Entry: h=2 m=8 s=21
